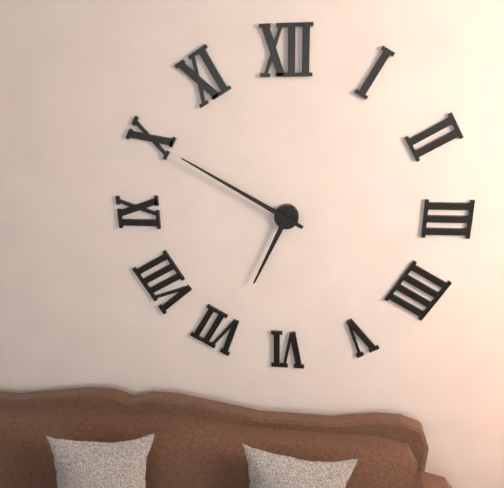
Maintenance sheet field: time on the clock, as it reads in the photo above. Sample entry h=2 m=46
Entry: h=6 m=50
